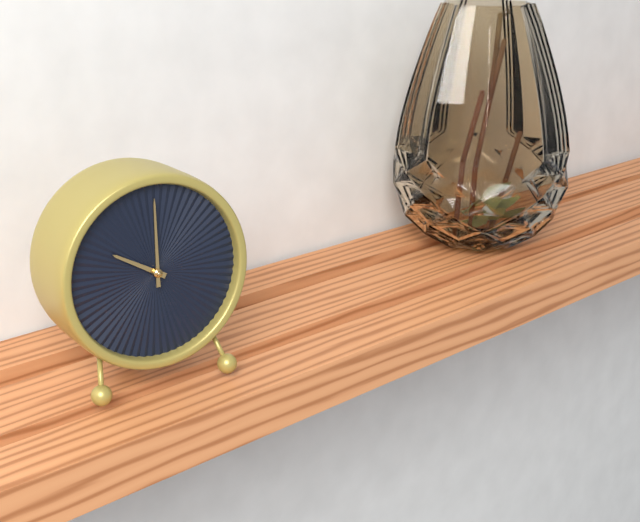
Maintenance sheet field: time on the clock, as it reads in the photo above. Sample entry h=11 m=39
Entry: h=10 m=0
